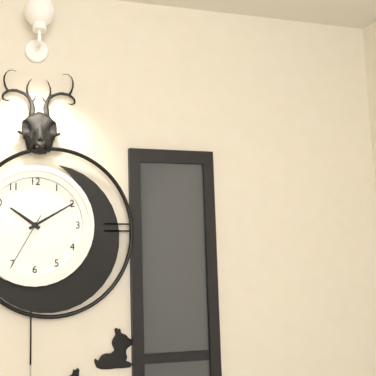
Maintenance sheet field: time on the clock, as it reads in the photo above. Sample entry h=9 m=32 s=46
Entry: h=10 m=10 s=35
